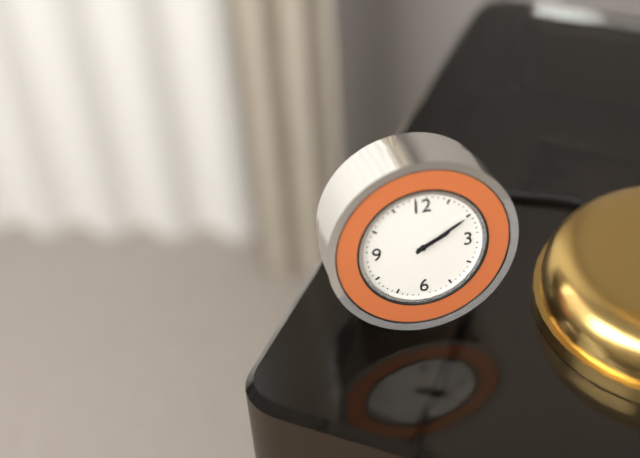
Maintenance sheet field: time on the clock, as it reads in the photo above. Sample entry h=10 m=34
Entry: h=2 m=10
